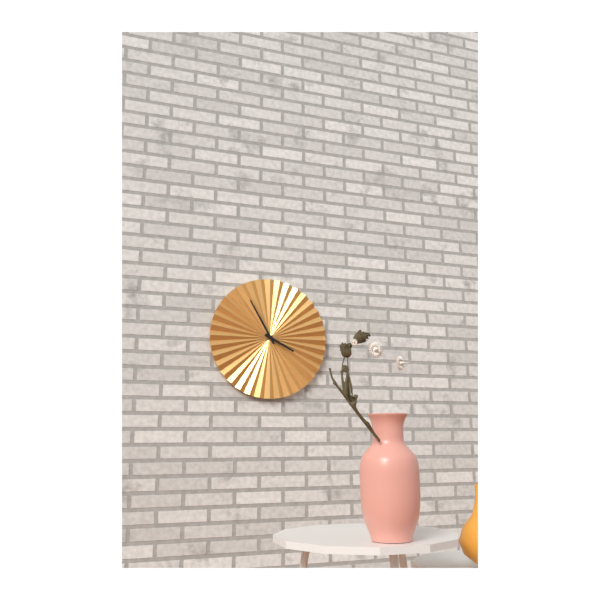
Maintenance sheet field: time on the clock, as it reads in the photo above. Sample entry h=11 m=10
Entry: h=3 m=55
